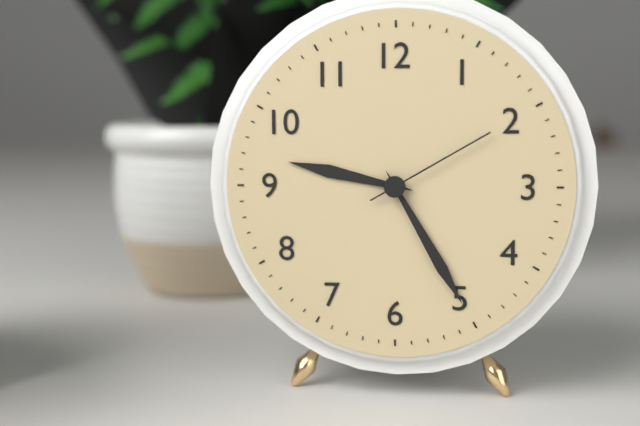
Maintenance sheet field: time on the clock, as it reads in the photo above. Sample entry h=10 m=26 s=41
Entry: h=9 m=25 s=10
